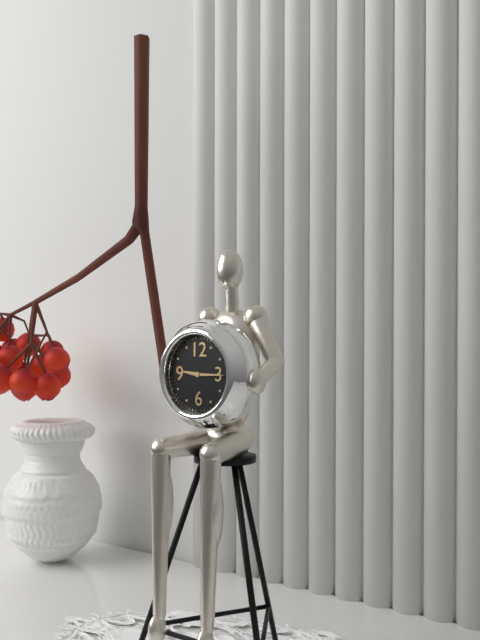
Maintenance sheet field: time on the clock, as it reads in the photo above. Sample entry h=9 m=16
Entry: h=9 m=15
